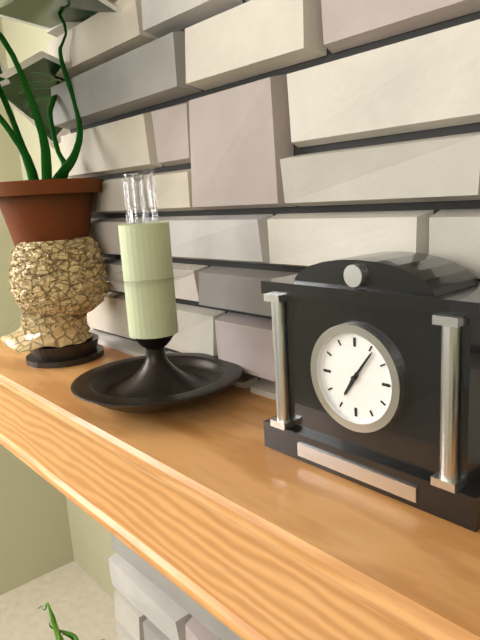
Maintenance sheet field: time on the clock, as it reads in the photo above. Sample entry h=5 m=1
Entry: h=7 m=6
